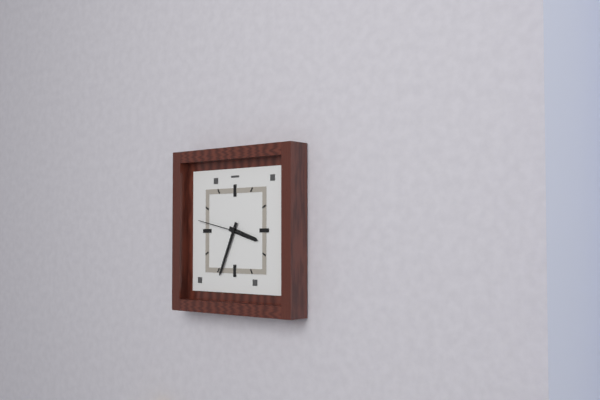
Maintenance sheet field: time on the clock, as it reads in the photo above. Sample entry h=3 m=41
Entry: h=3 m=34
